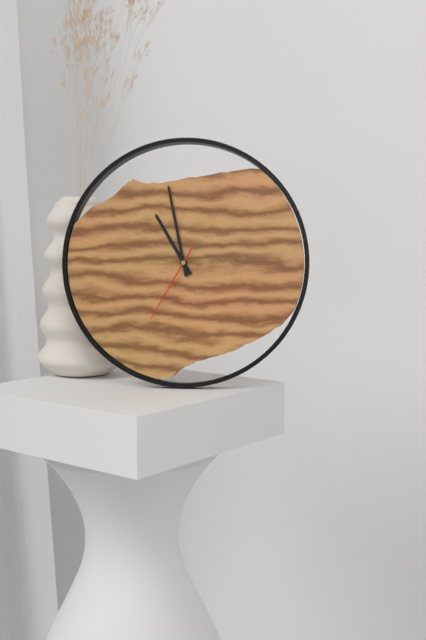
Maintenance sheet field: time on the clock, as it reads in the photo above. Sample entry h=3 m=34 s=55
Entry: h=10 m=58 s=35
